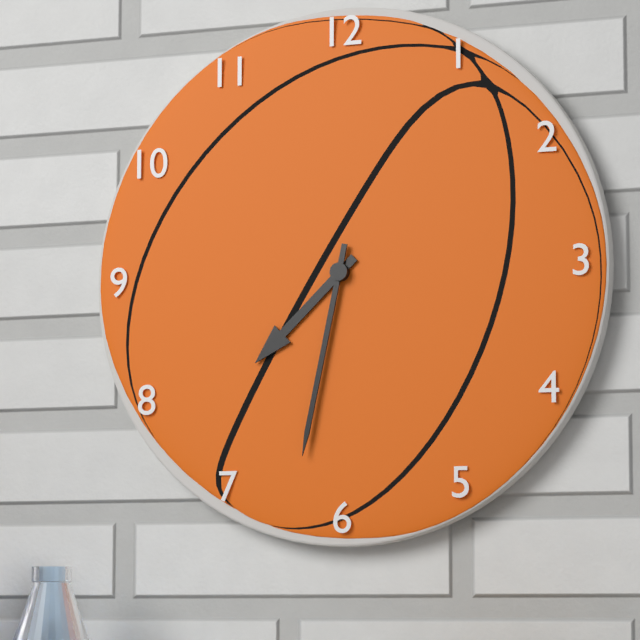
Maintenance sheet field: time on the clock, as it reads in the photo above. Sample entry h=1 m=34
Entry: h=7 m=32
